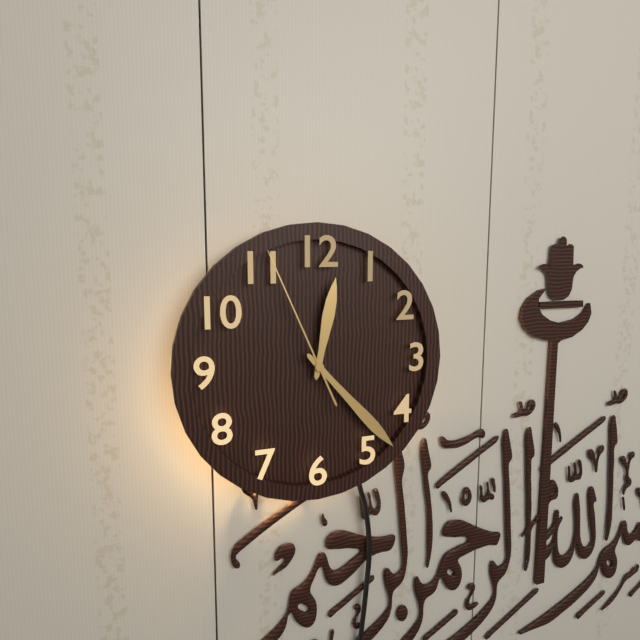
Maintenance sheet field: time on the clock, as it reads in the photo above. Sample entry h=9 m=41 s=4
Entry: h=12 m=23 s=56
